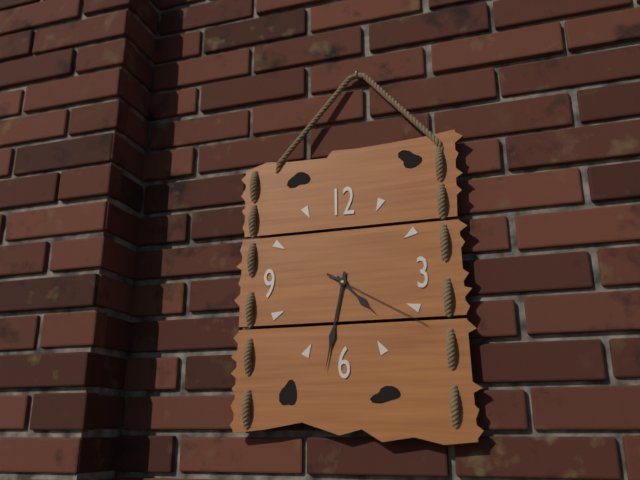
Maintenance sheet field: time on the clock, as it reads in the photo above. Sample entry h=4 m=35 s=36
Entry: h=4 m=32 s=20
